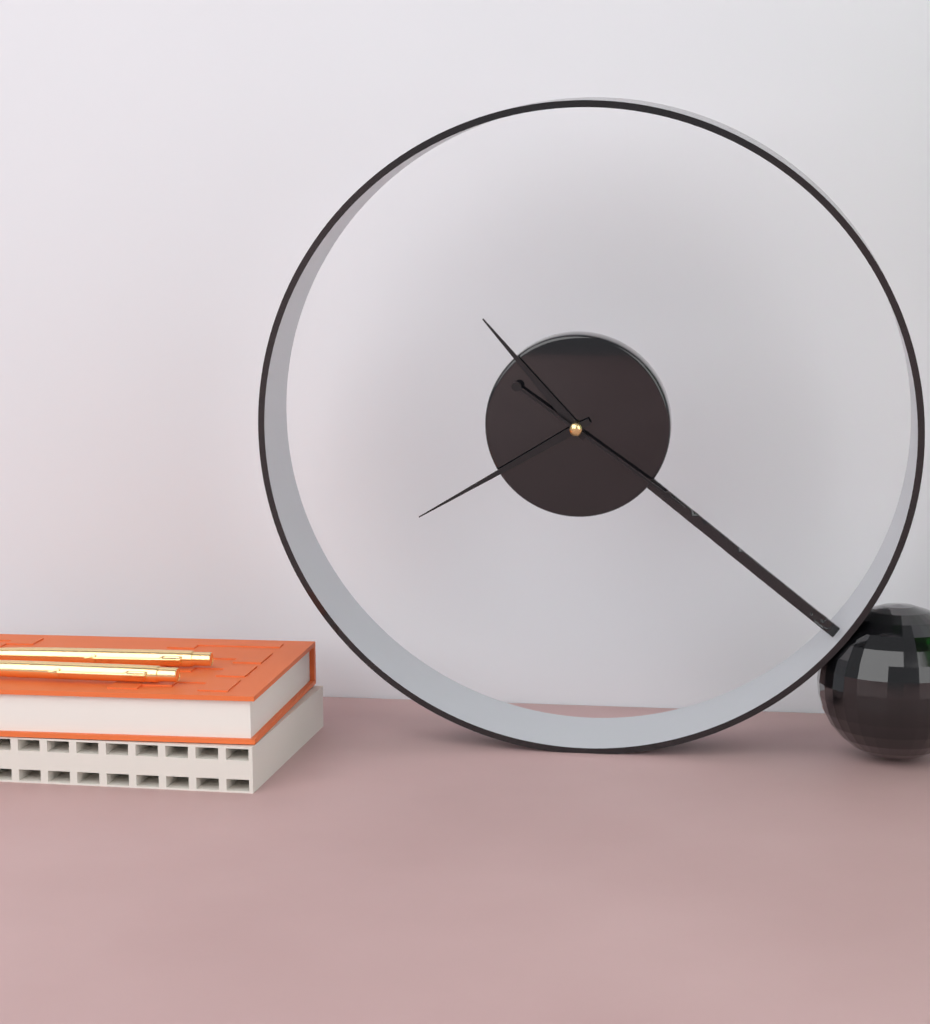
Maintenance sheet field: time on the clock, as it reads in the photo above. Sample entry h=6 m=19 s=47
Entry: h=10 m=40 s=21
